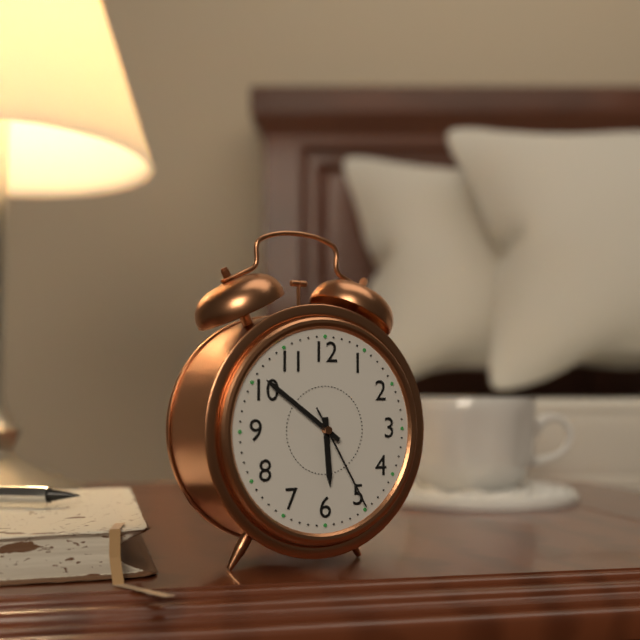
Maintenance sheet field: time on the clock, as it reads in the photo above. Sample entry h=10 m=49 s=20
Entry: h=5 m=51 s=25
